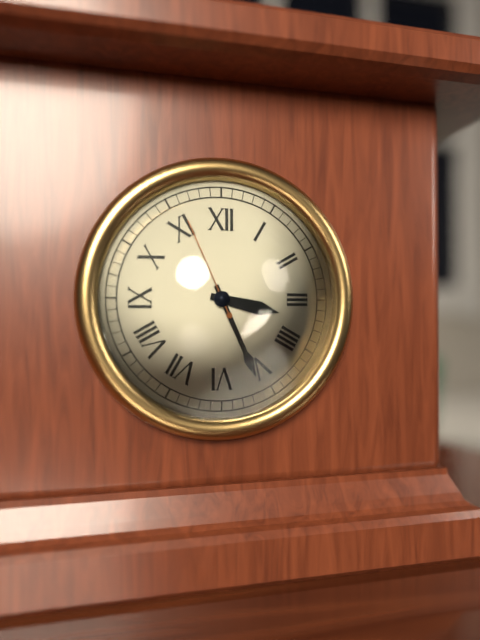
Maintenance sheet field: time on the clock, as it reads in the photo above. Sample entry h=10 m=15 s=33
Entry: h=3 m=26 s=56
